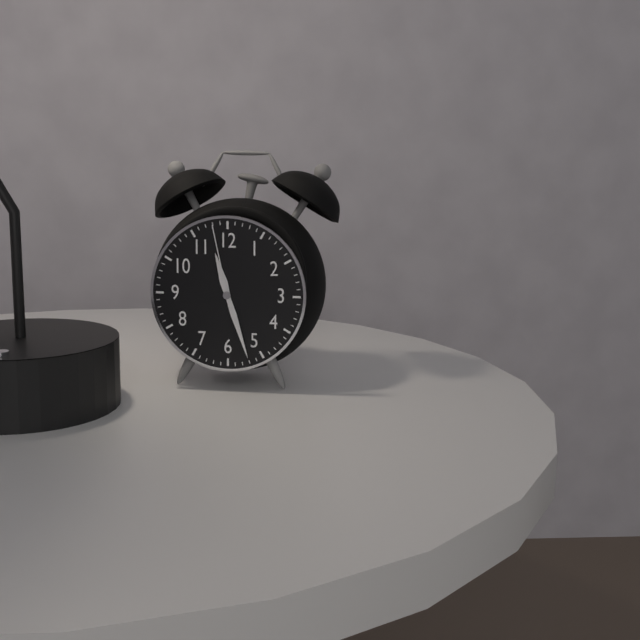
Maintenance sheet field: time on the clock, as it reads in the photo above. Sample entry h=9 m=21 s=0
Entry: h=11 m=27 s=58
